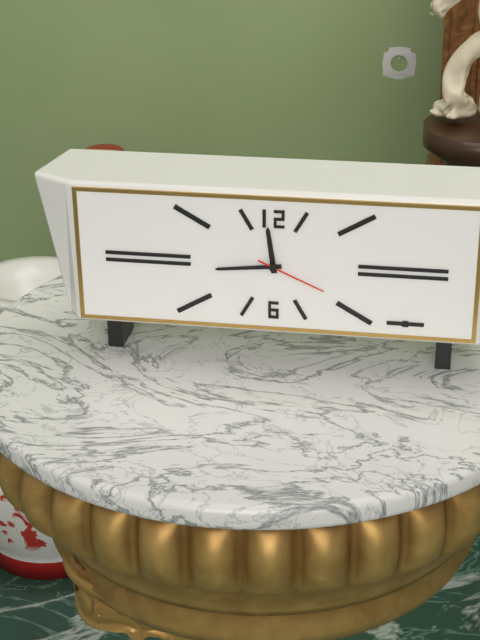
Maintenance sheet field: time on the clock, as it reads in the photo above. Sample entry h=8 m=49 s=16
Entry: h=11 m=44 s=19
